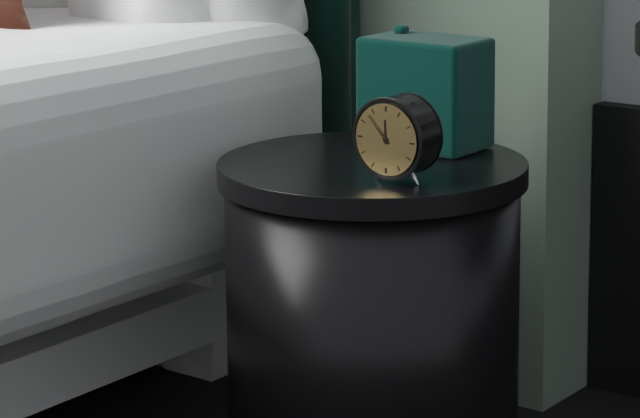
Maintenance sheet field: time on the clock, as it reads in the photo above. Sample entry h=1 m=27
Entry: h=11 m=53
